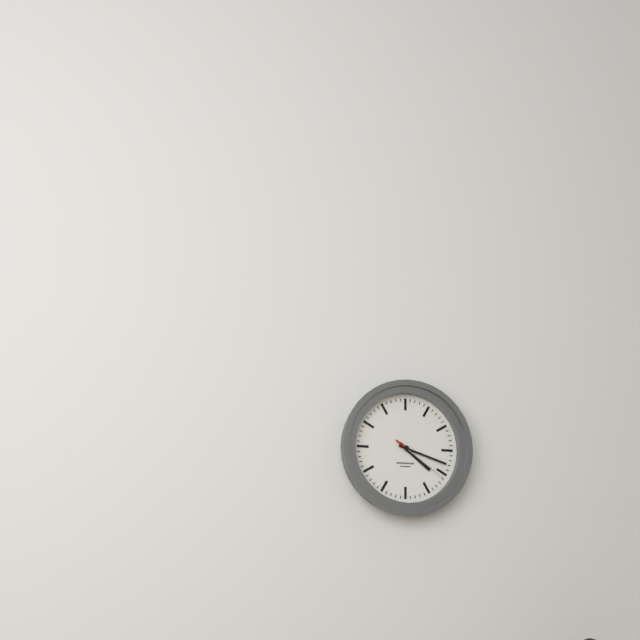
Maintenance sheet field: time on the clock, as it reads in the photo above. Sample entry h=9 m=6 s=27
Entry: h=4 m=18 s=21
